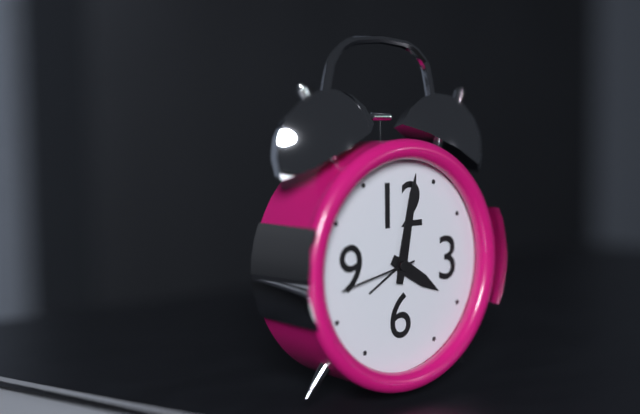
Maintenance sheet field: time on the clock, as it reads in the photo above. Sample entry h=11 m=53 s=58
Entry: h=4 m=2 s=43
